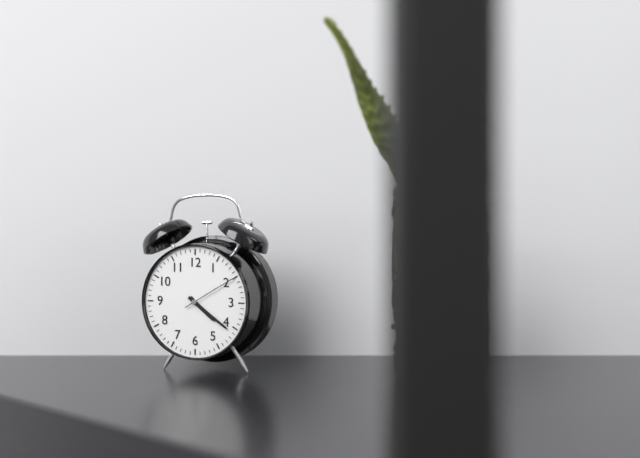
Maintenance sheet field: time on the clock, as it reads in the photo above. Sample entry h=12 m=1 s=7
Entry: h=4 m=21 s=10
